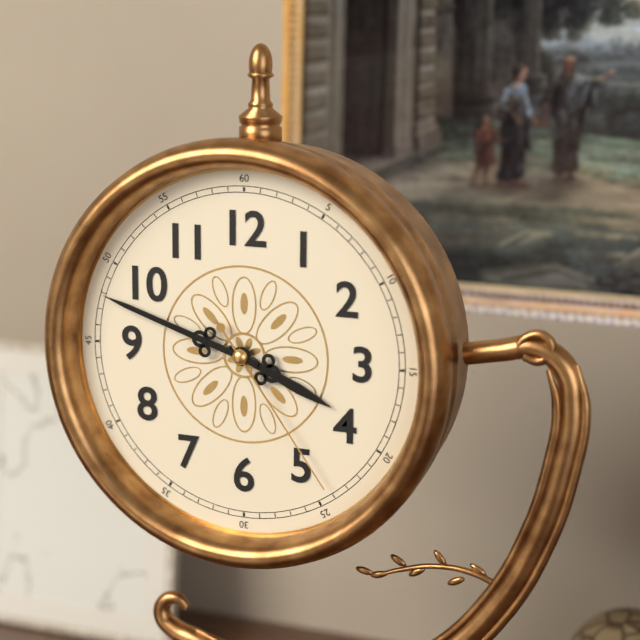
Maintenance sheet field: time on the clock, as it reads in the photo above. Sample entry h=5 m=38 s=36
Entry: h=3 m=48 s=24
